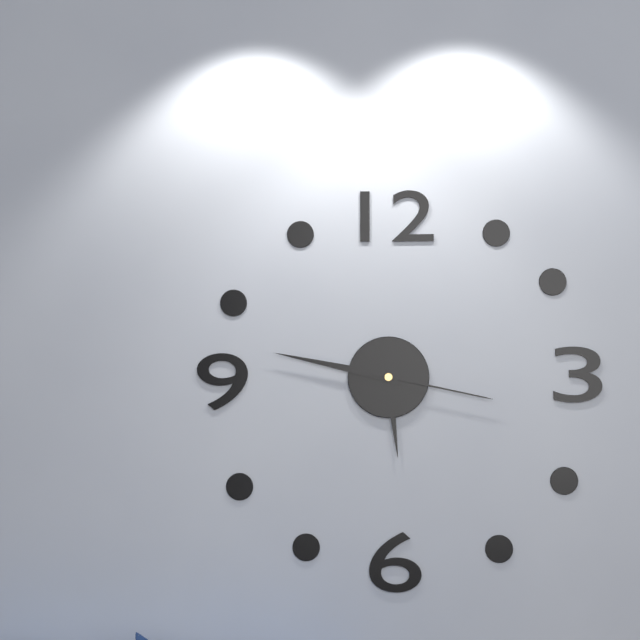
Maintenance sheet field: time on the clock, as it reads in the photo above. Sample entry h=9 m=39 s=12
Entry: h=5 m=47 s=17
